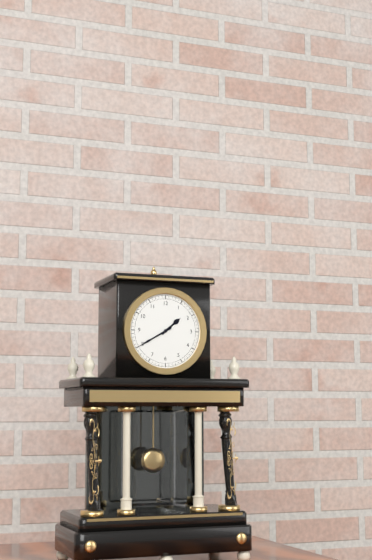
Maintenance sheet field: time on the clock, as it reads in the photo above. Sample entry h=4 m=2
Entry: h=1 m=40
